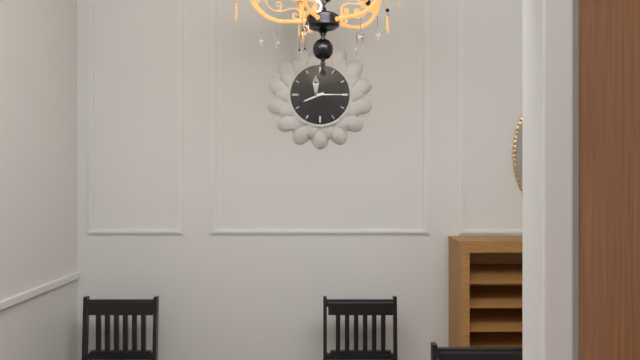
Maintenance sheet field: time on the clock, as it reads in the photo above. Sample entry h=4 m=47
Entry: h=8 m=15
